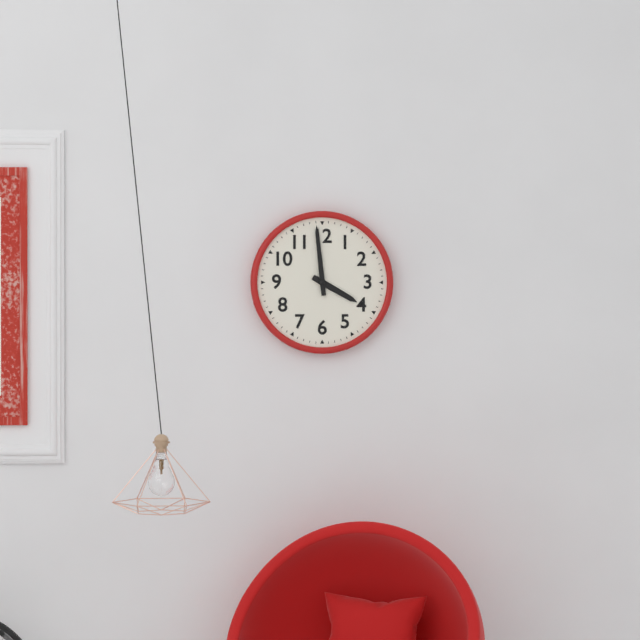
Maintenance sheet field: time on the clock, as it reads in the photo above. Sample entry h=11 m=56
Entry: h=3 m=59
